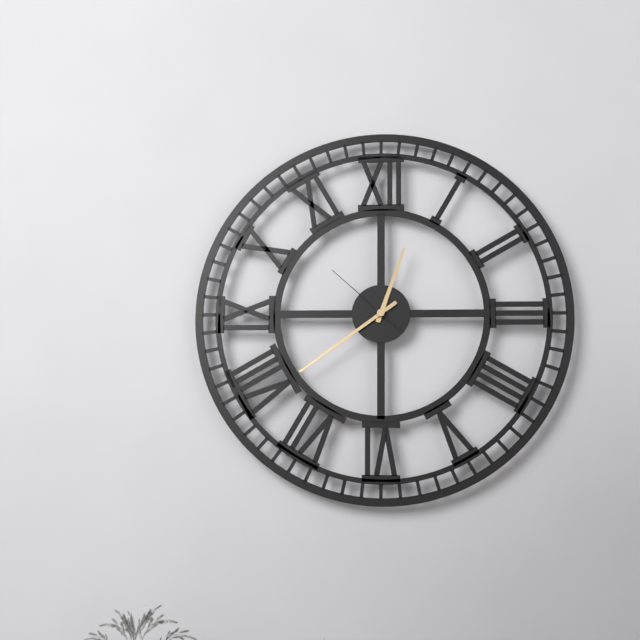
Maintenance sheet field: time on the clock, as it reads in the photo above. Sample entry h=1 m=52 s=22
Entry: h=12 m=39 s=52
